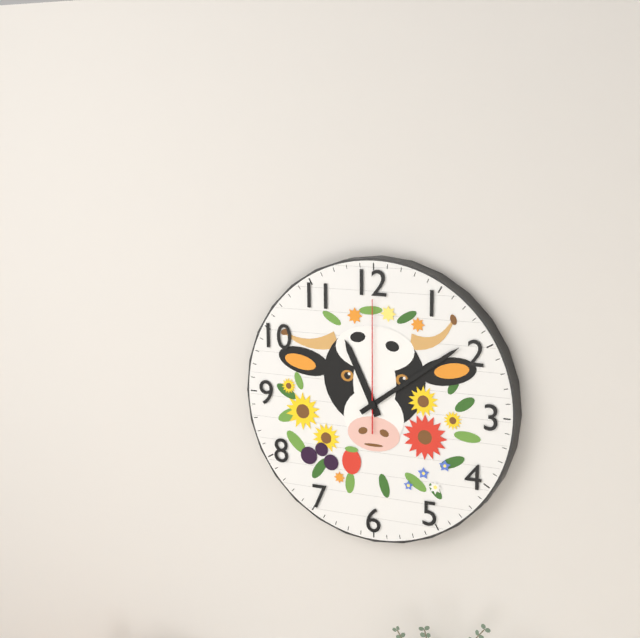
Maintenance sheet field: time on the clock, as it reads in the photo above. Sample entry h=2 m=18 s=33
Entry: h=11 m=9 s=0
